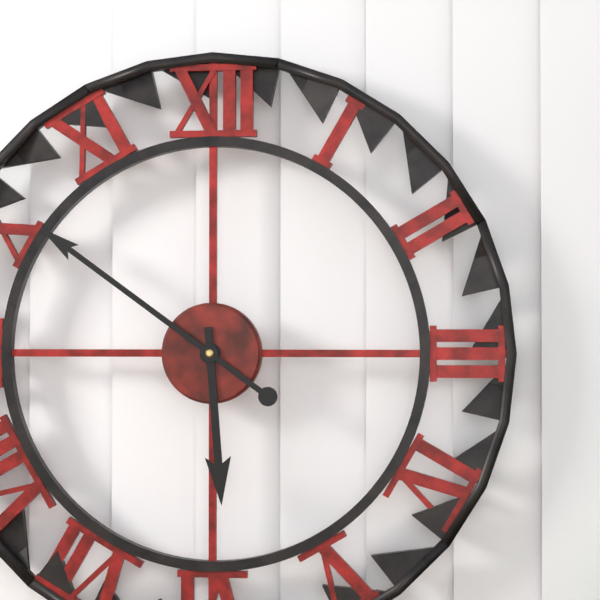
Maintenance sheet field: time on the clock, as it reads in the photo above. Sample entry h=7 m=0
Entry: h=5 m=51
